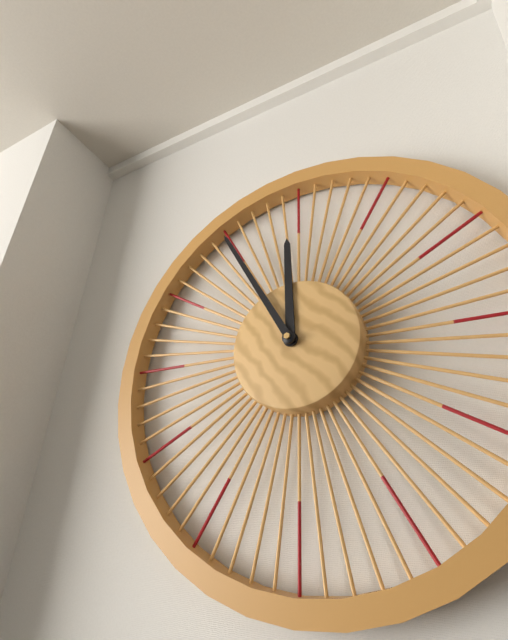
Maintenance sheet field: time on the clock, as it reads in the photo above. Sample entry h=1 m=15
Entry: h=11 m=55
